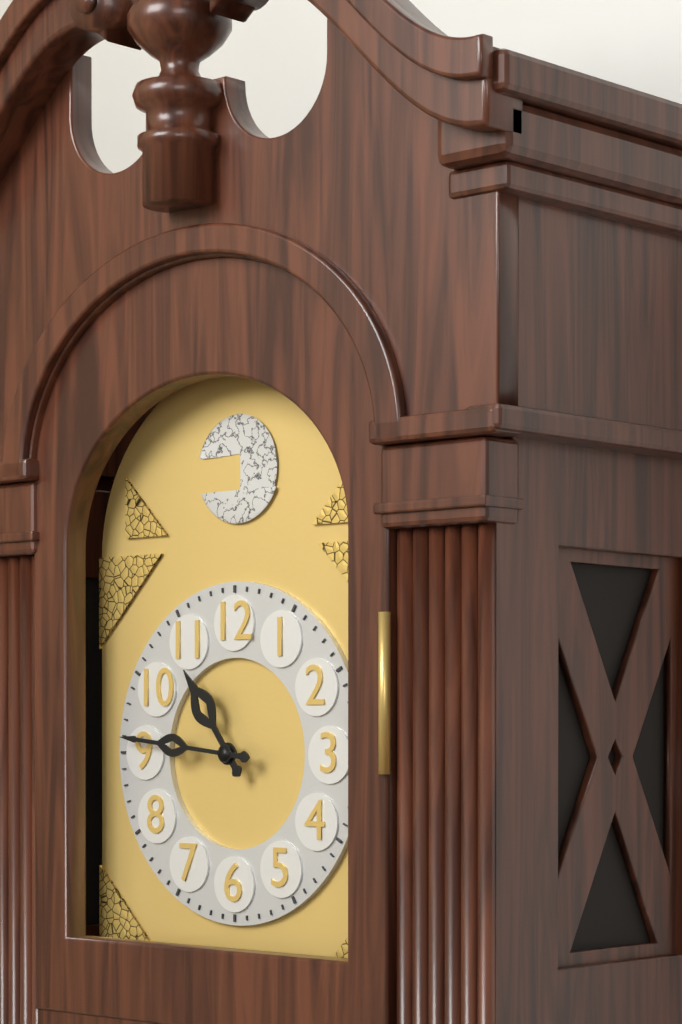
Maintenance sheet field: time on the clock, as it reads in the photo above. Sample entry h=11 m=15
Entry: h=10 m=46
